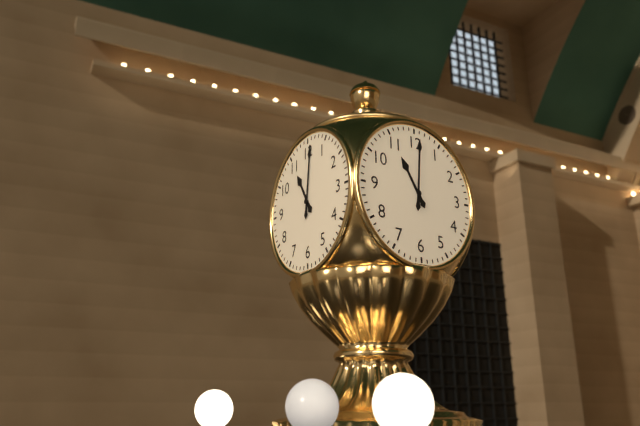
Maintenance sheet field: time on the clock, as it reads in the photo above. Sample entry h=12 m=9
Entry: h=11 m=1
